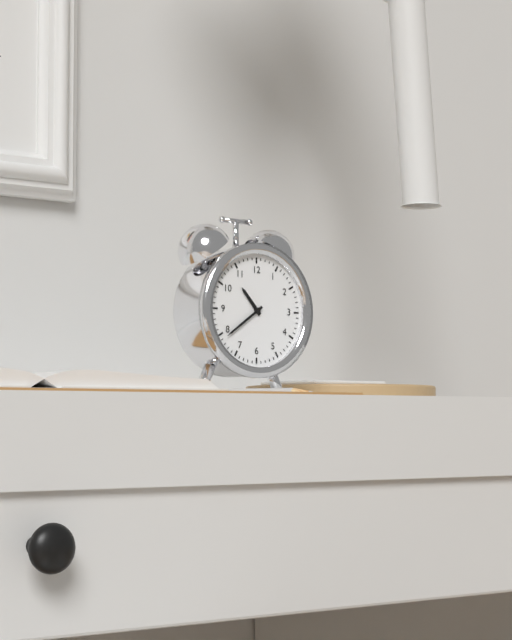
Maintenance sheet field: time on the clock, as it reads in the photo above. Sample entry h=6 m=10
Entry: h=10 m=39
